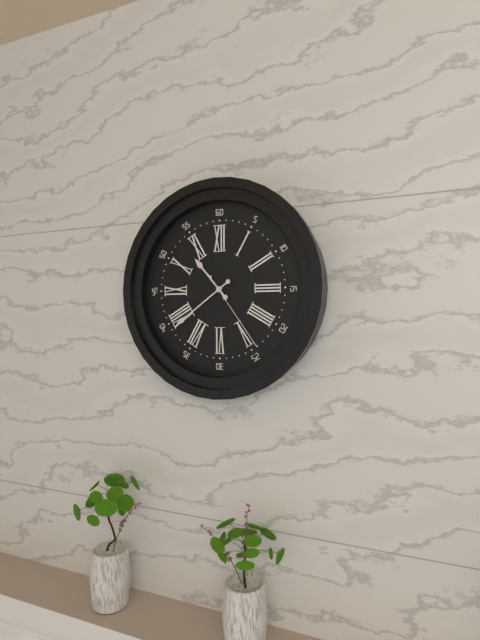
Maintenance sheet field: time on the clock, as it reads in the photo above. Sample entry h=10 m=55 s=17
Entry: h=10 m=39 s=24
